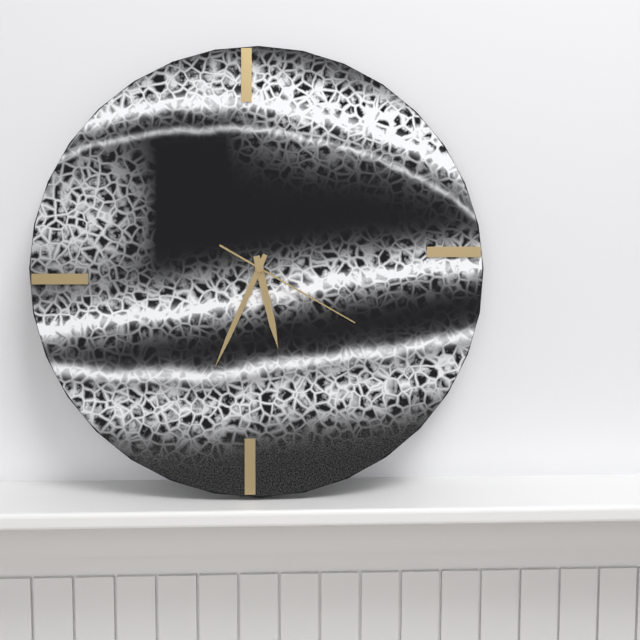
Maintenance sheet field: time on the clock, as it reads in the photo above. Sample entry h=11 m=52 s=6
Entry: h=5 m=34 s=20
